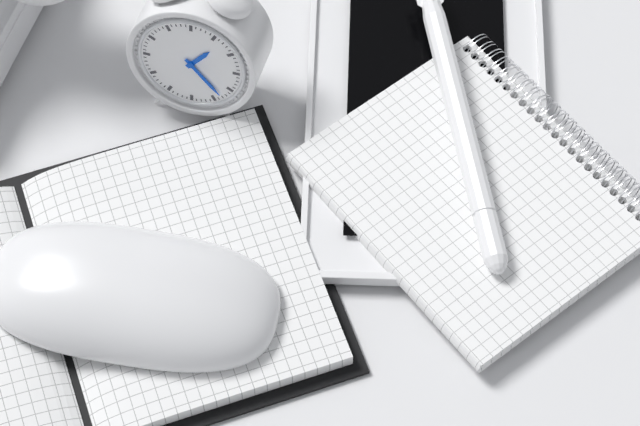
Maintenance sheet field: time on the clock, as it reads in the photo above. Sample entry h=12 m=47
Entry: h=1 m=23
